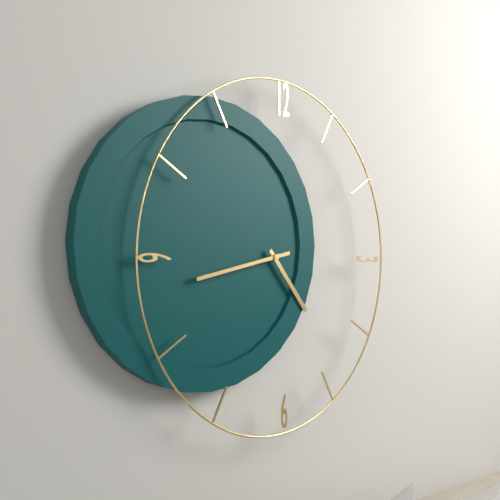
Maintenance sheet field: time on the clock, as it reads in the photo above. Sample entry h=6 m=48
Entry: h=4 m=43
